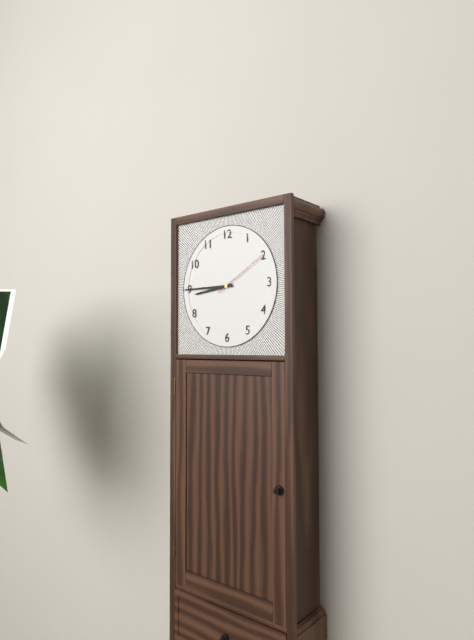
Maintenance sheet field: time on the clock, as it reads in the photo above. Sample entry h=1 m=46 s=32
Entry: h=8 m=45 s=10
